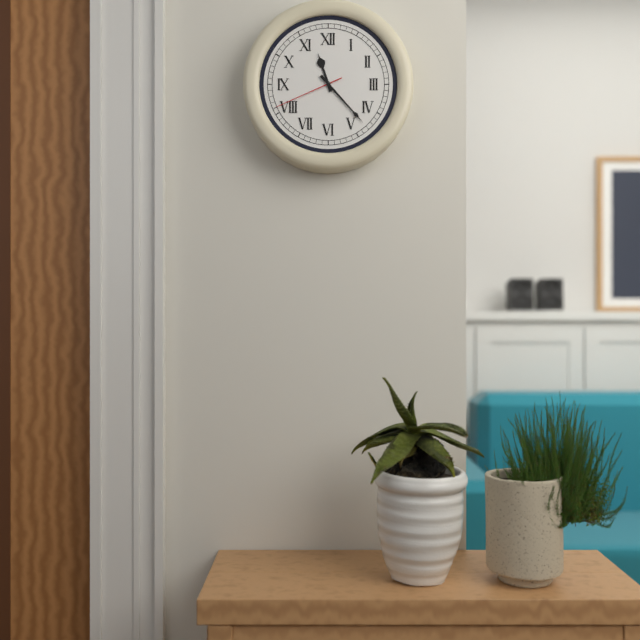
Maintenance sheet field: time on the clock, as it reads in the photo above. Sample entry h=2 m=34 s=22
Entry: h=11 m=23 s=41
